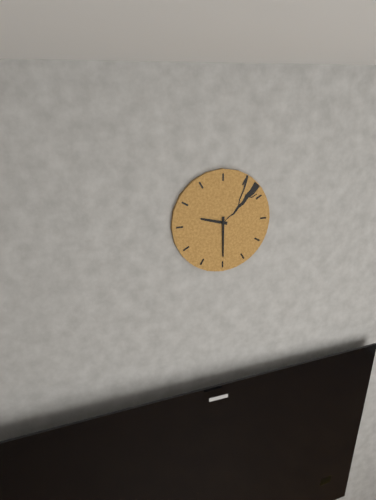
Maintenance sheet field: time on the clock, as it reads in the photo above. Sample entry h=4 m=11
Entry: h=9 m=30
